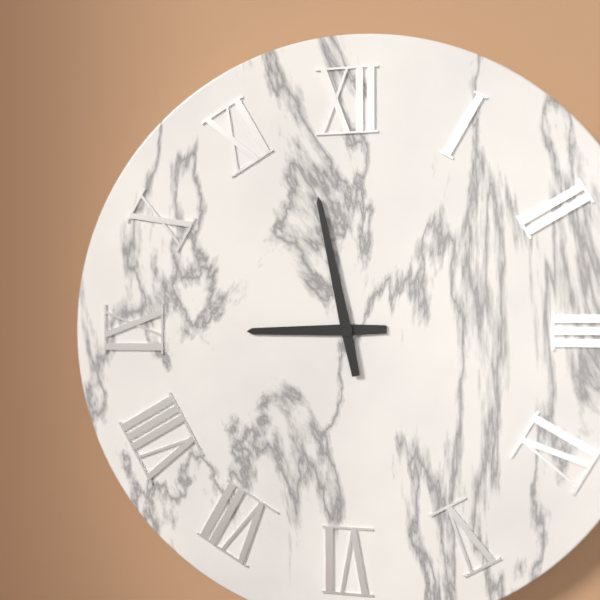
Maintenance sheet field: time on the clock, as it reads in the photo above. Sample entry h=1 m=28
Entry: h=8 m=58
